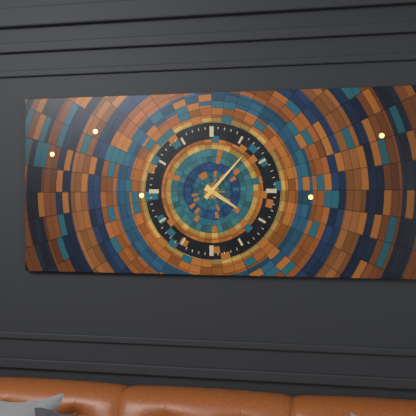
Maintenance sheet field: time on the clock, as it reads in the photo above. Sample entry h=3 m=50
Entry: h=4 m=7
